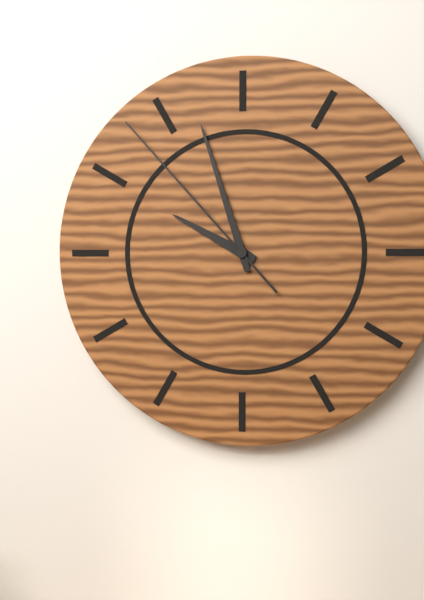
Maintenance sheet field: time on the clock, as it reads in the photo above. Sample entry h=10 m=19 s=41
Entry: h=9 m=57 s=53
